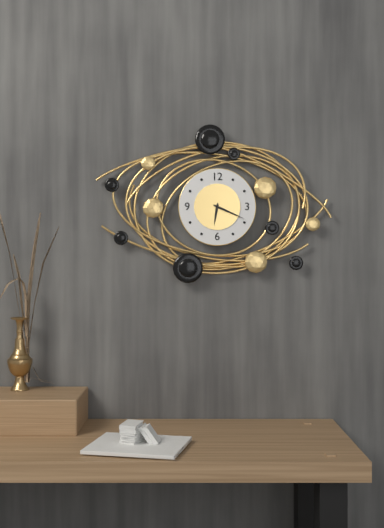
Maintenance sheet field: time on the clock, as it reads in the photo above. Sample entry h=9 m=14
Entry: h=6 m=19
